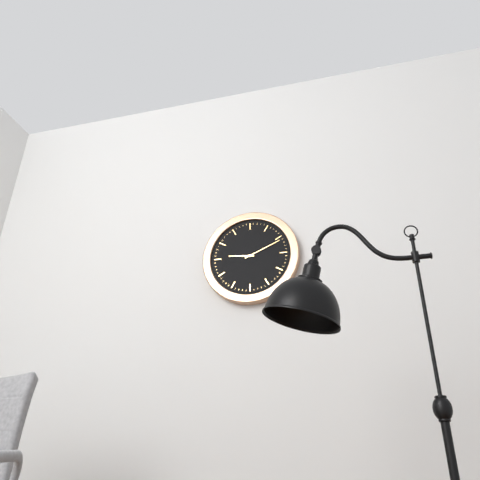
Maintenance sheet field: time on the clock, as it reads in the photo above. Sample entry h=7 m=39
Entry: h=9 m=11
